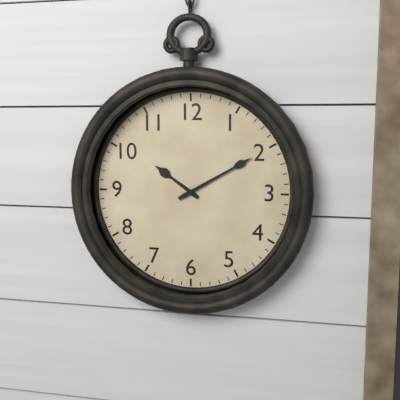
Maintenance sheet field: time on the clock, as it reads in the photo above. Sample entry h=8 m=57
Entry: h=10 m=10
